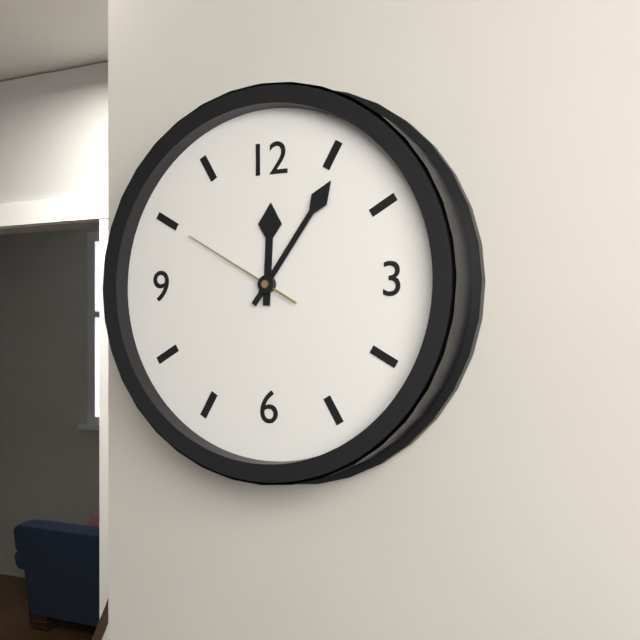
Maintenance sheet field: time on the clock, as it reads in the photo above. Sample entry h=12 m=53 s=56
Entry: h=12 m=6 s=50
